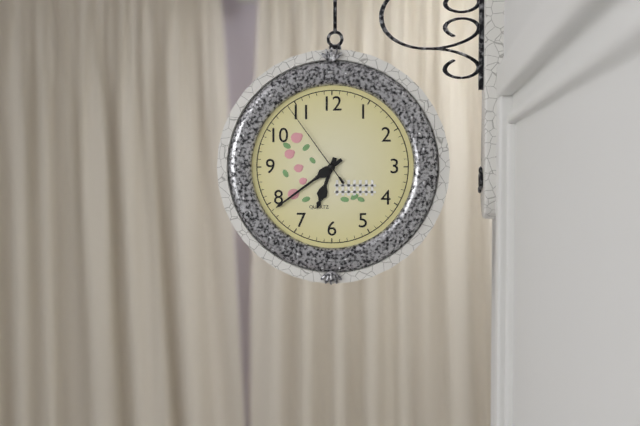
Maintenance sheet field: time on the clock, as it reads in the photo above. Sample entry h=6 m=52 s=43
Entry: h=6 m=39 s=54
